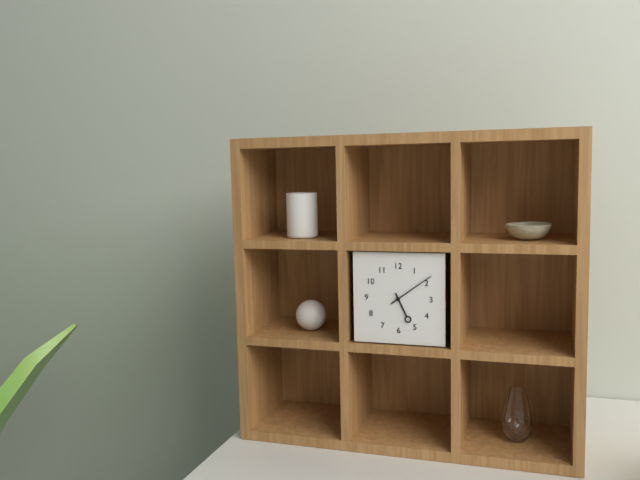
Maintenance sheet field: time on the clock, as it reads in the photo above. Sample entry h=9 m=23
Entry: h=5 m=9
